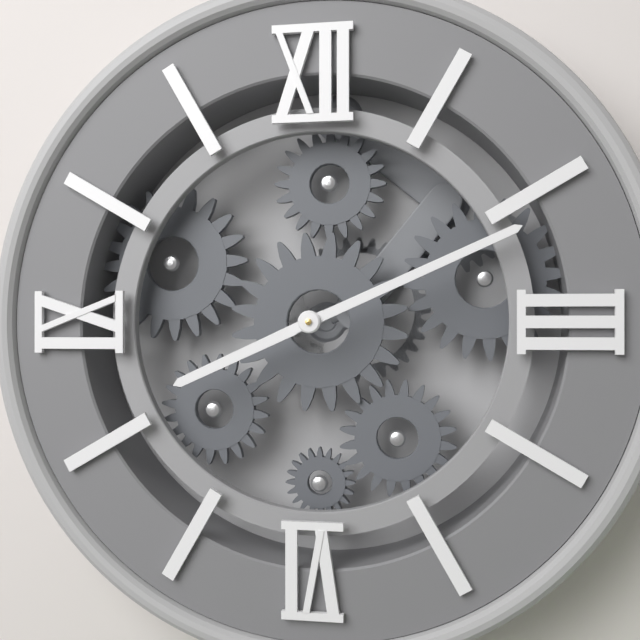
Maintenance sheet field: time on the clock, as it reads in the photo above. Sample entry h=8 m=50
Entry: h=8 m=11
